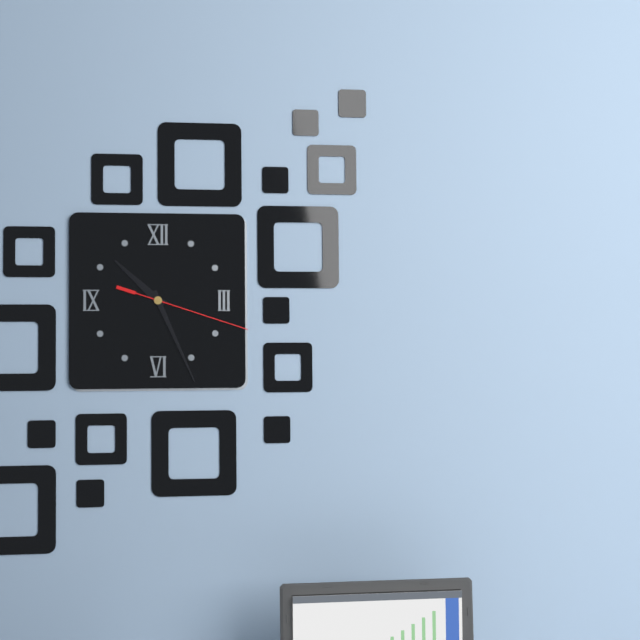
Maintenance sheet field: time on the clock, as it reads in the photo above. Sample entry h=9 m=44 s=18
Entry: h=10 m=26 s=18
